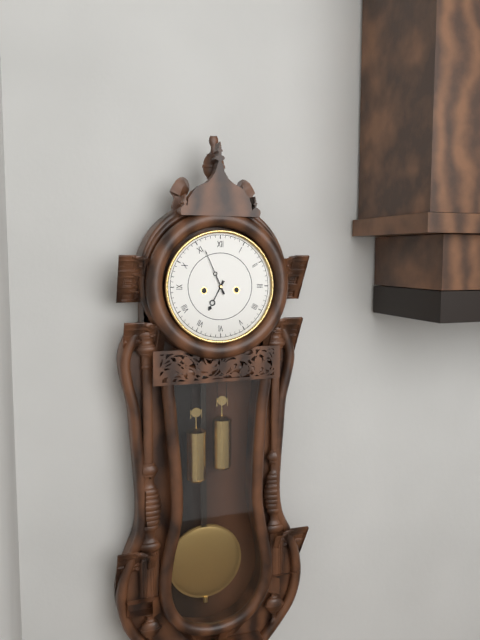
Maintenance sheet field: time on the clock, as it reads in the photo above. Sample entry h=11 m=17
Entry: h=6 m=56
